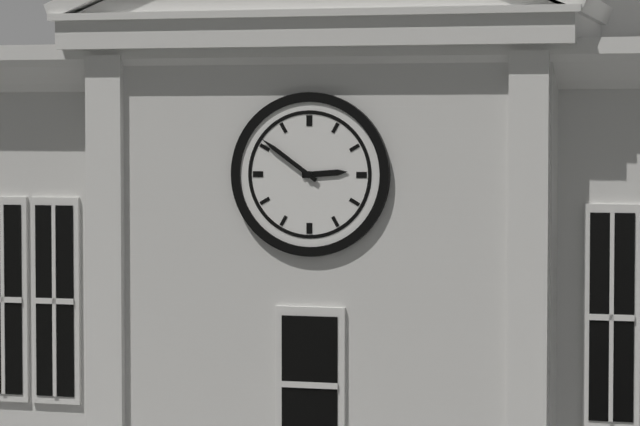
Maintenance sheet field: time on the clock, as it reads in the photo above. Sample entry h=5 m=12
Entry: h=2 m=51
